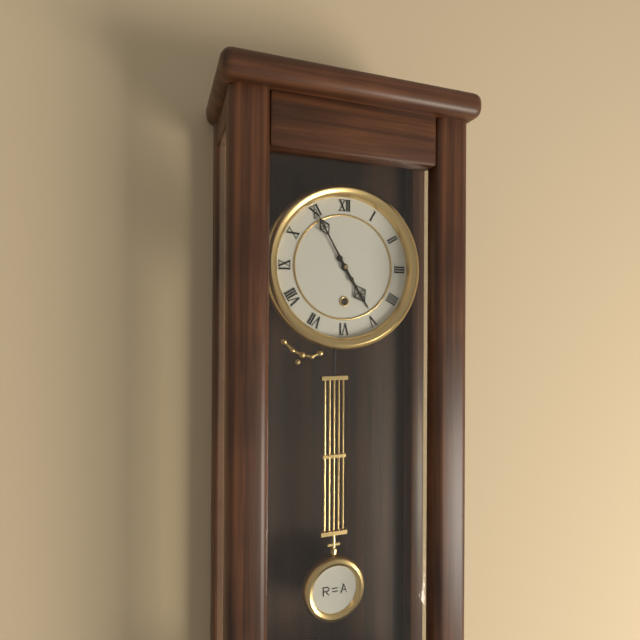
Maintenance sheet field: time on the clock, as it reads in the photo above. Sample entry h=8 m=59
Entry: h=4 m=55
